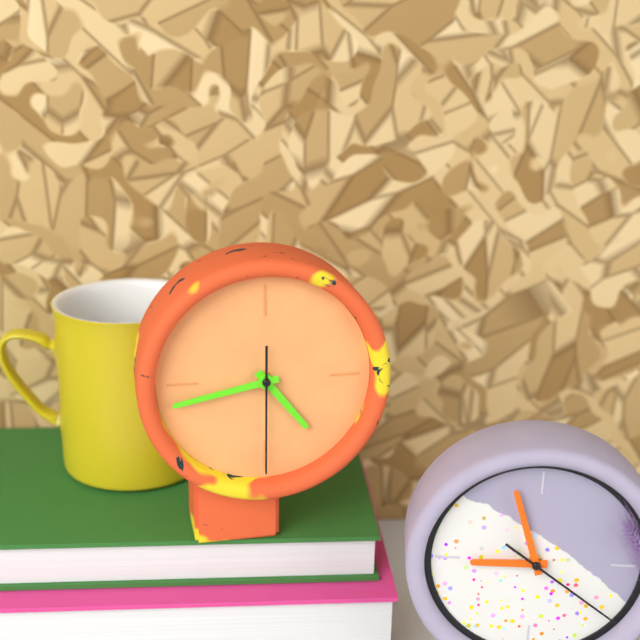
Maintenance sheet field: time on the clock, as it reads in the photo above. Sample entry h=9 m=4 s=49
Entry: h=4 m=43 s=30
